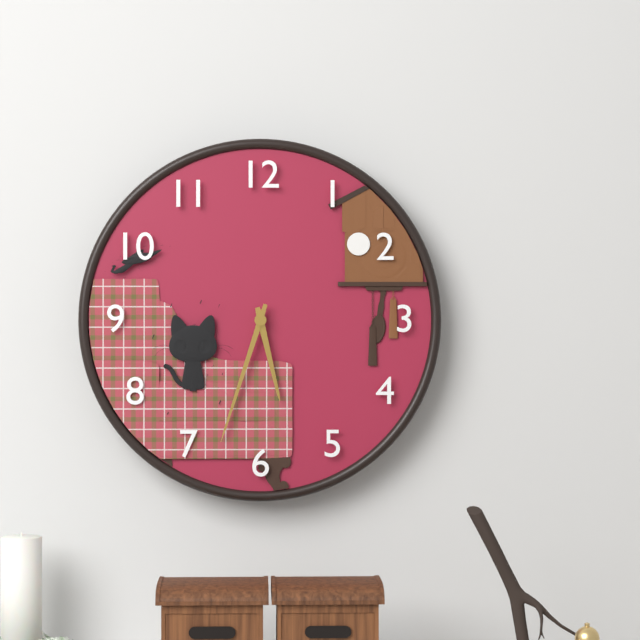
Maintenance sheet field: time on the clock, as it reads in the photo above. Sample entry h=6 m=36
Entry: h=5 m=33
